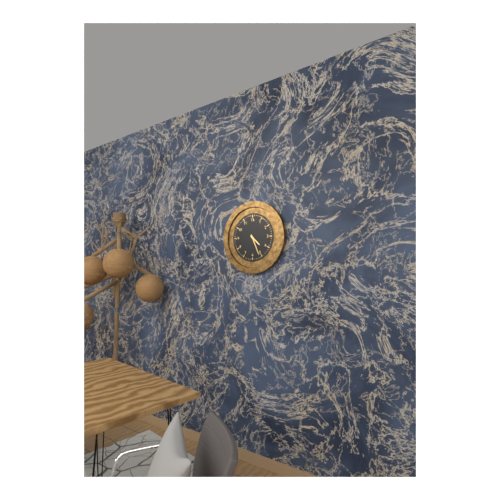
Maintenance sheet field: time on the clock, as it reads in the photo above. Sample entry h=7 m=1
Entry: h=4 m=26
